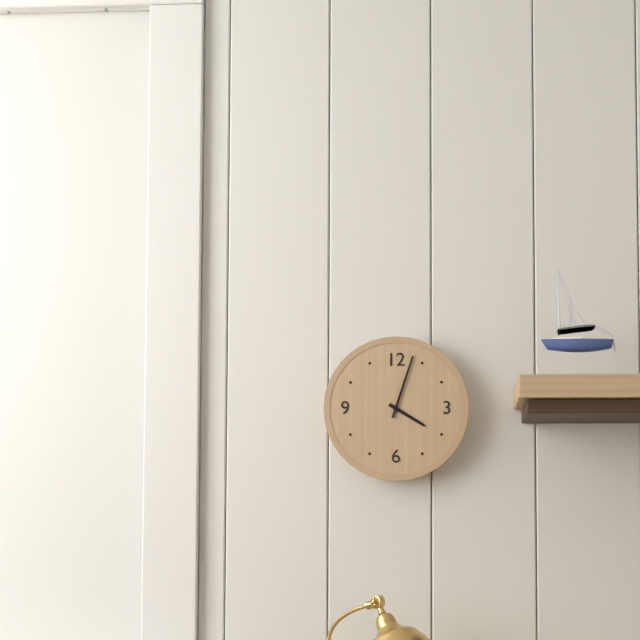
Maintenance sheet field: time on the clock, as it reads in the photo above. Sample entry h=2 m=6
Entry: h=4 m=3
